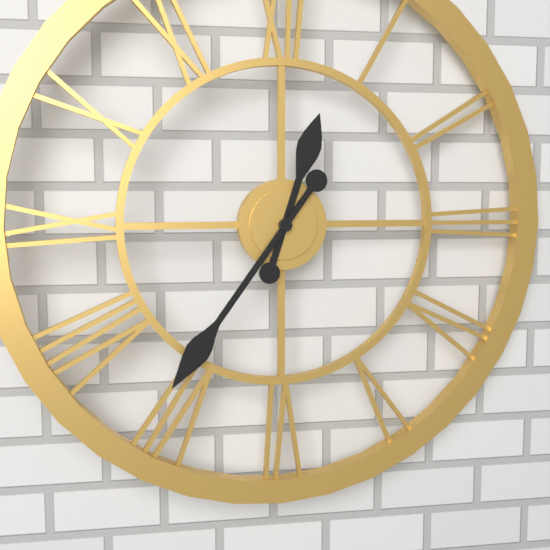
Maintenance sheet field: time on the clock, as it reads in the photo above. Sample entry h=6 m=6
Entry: h=12 m=36
